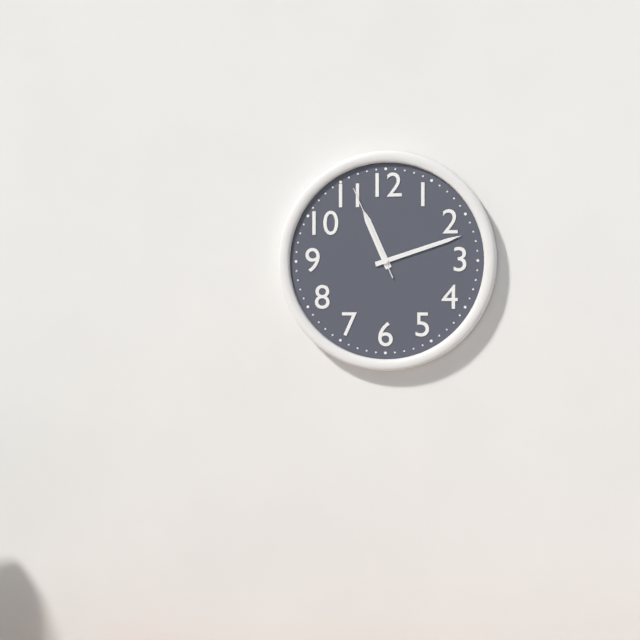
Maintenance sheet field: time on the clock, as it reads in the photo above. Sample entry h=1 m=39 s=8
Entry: h=11 m=12 s=56
